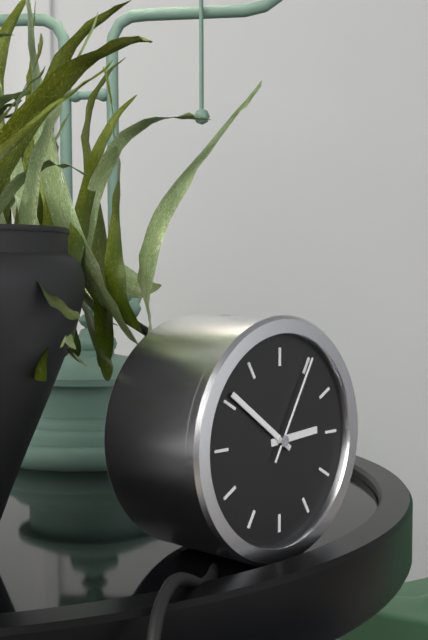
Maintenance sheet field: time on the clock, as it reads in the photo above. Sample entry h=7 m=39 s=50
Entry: h=2 m=51 s=5
